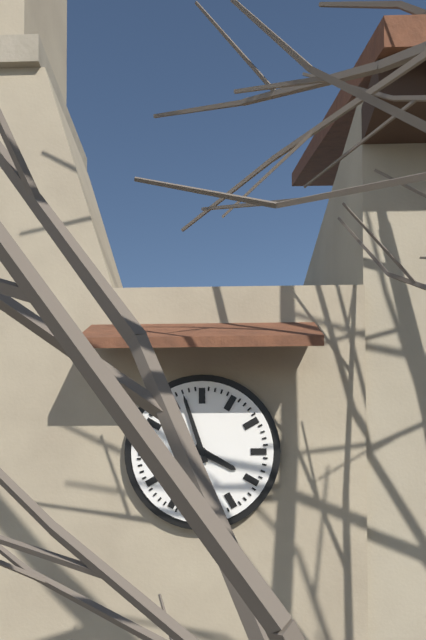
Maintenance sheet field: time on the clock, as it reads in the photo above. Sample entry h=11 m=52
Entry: h=3 m=57
